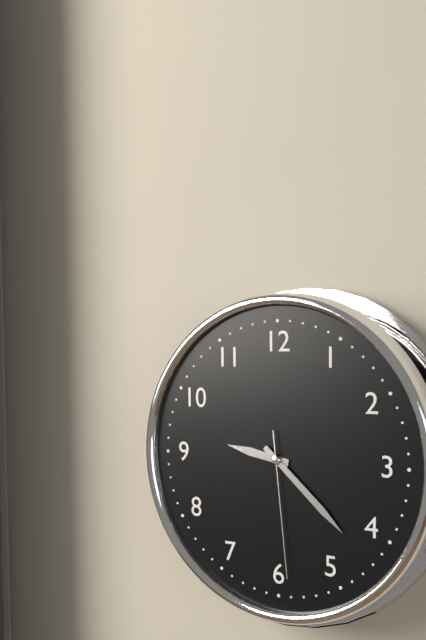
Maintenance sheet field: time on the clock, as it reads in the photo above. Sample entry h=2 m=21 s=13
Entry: h=9 m=22 s=29
